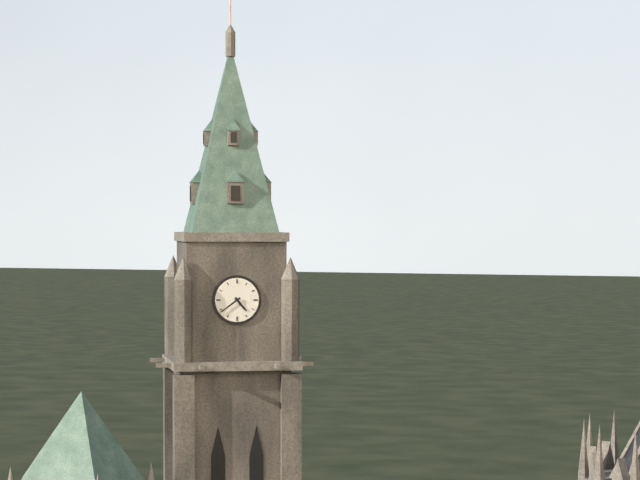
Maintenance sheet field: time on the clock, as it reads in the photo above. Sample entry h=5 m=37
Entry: h=4 m=39
